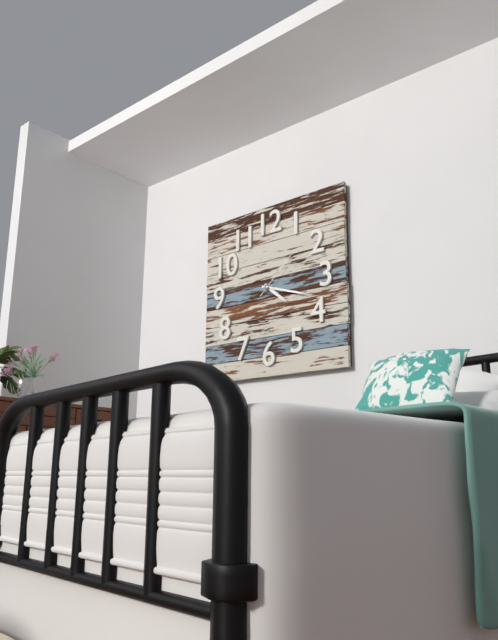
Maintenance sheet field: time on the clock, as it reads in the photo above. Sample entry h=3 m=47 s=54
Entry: h=4 m=18 s=8
